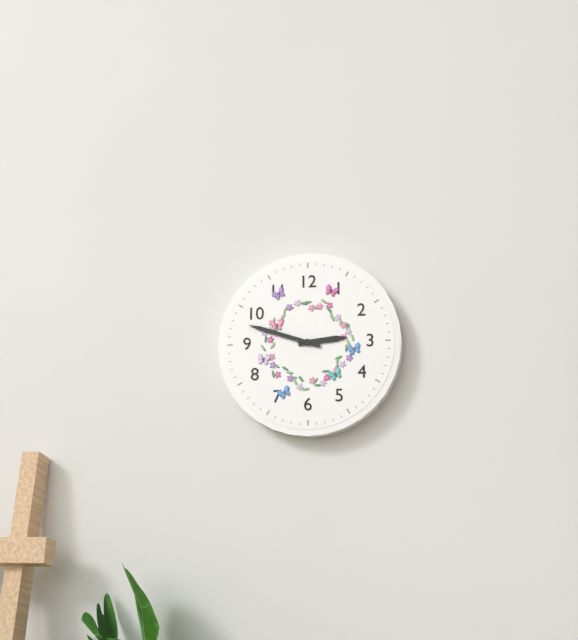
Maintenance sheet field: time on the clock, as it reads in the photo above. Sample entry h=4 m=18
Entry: h=2 m=48
